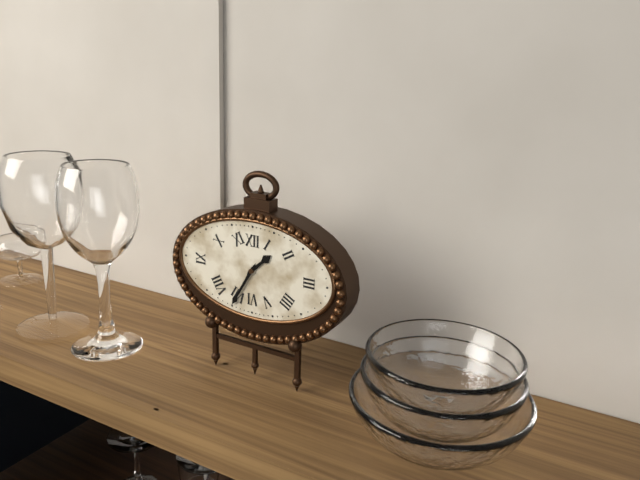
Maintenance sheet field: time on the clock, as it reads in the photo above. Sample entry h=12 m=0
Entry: h=1 m=35
